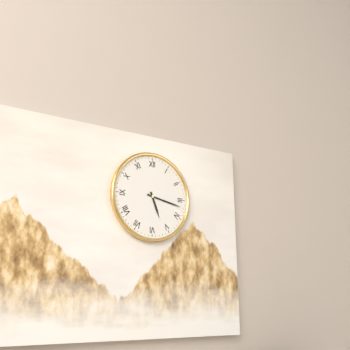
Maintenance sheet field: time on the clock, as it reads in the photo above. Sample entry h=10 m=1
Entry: h=5 m=17
